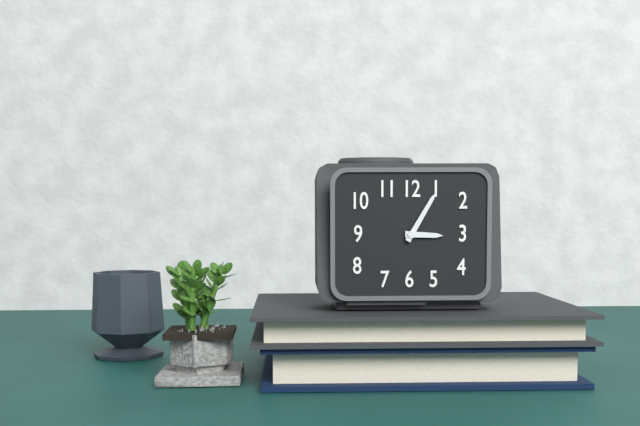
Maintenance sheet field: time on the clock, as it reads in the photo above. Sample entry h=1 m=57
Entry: h=3 m=5
